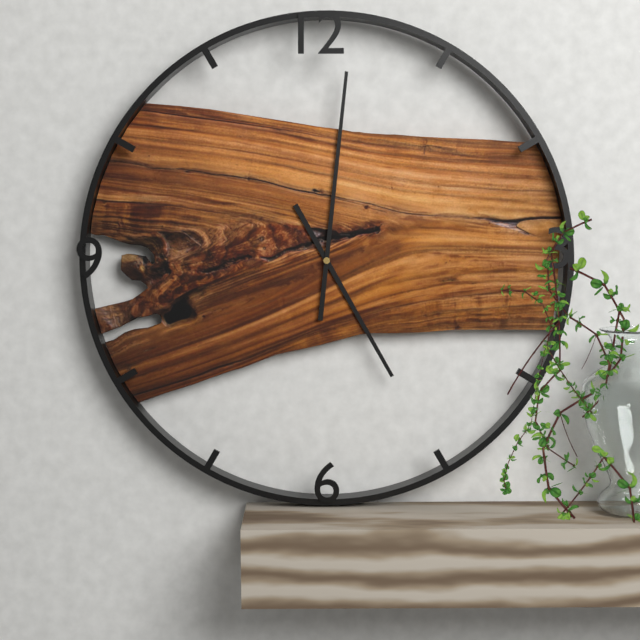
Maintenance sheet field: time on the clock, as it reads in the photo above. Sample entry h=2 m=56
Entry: h=5 m=1
